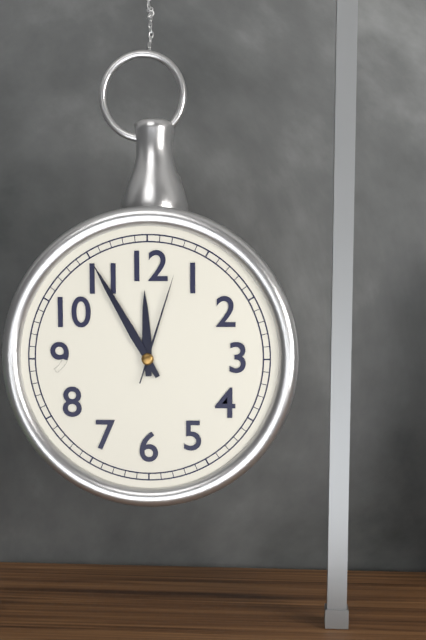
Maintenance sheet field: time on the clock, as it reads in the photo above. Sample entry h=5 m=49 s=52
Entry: h=11 m=55 s=3
